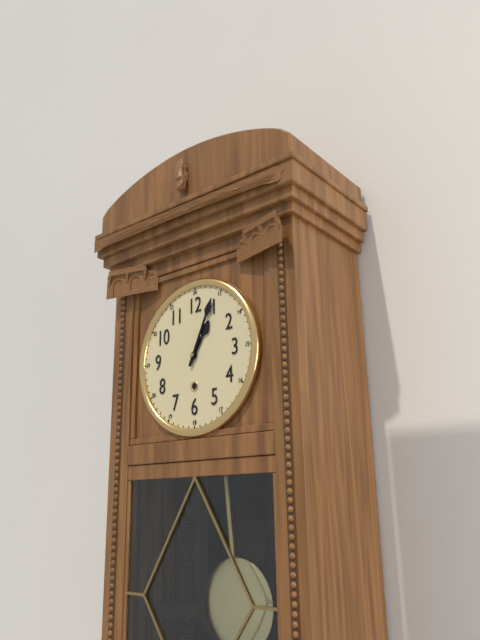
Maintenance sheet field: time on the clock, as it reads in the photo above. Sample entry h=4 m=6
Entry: h=1 m=4
